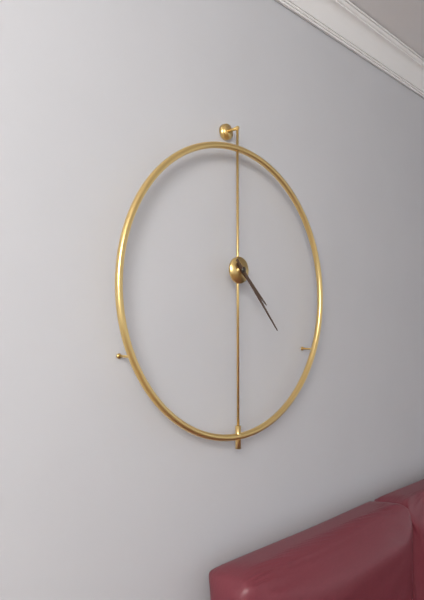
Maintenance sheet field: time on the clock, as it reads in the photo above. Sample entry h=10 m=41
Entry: h=4 m=23
